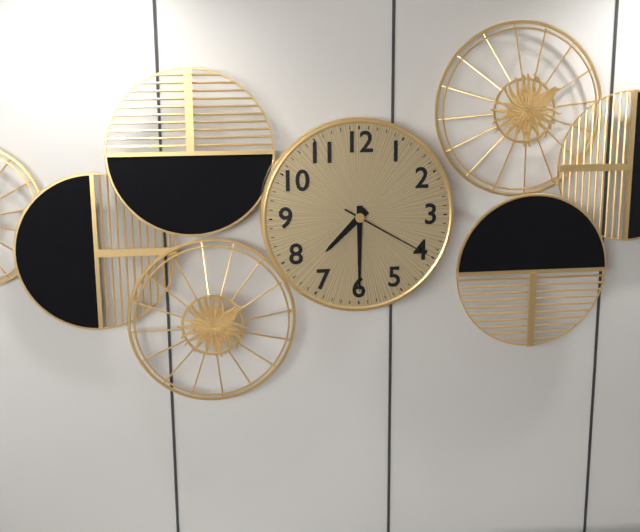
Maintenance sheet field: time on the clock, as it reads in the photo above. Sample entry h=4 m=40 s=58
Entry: h=7 m=30 s=20
